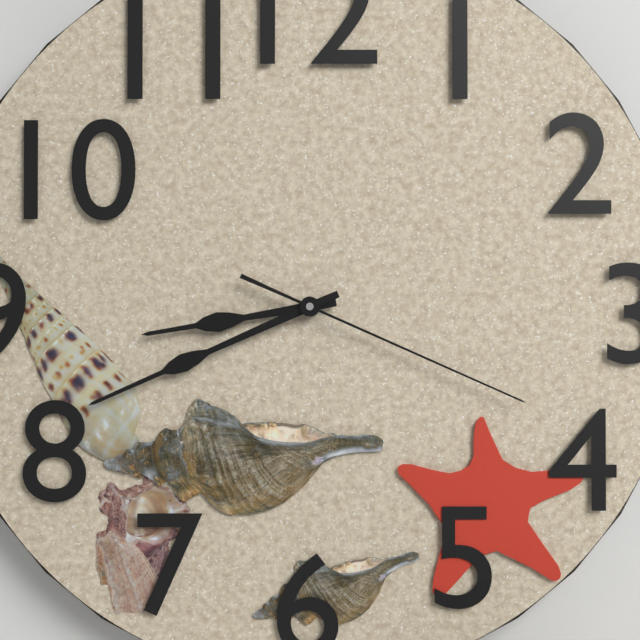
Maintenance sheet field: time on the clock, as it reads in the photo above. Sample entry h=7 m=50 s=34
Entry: h=8 m=41 s=19
